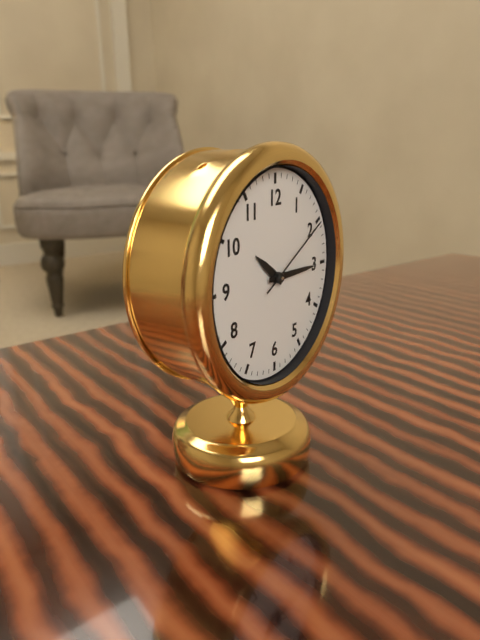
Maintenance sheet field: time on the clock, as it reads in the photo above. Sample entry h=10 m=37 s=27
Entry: h=10 m=15 s=10
